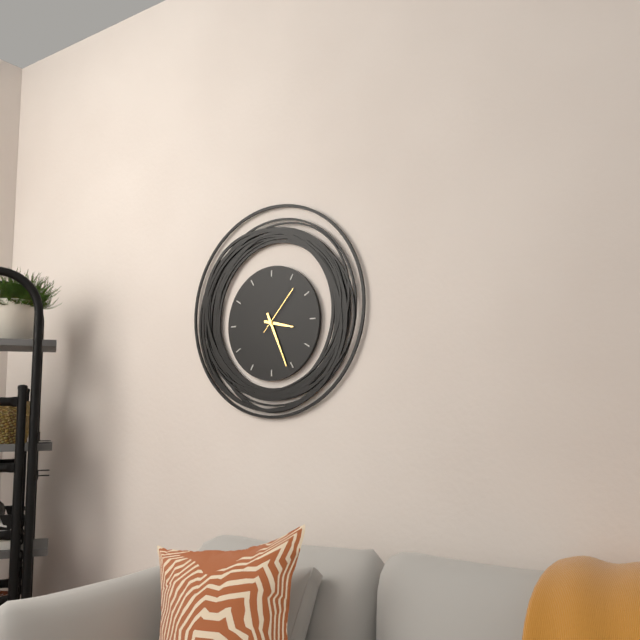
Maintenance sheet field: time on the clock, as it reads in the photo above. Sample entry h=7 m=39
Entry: h=3 m=26
